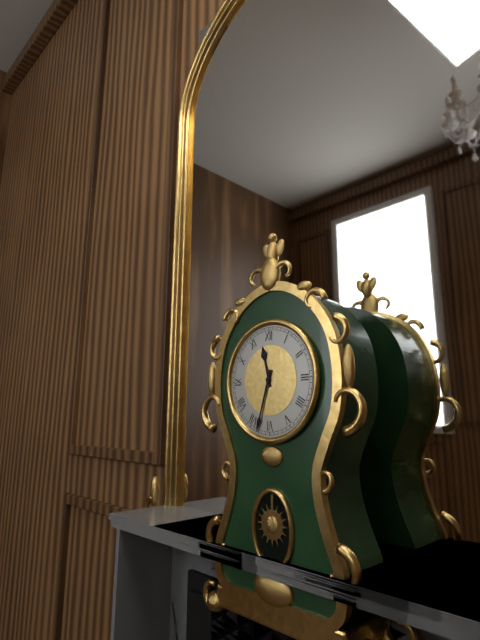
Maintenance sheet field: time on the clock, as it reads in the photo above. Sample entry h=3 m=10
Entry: h=11 m=33
